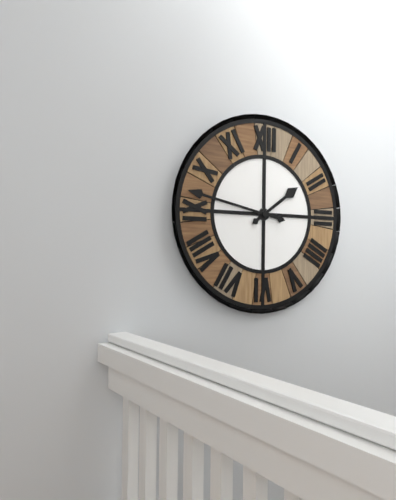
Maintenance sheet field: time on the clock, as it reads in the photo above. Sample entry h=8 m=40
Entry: h=1 m=47
